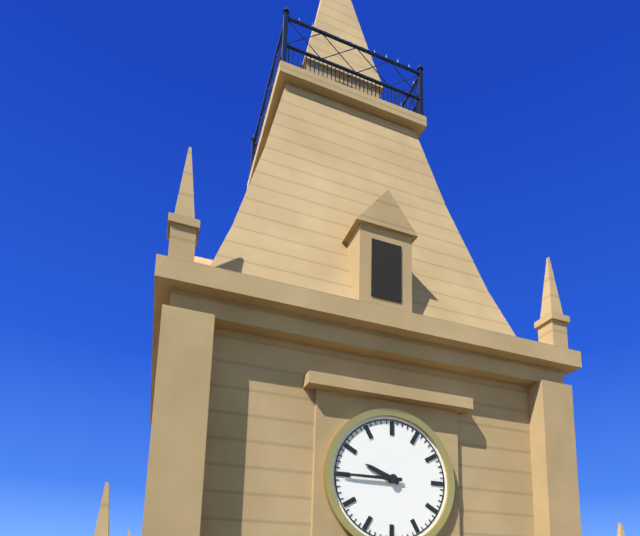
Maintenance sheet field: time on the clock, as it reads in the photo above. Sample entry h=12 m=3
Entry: h=9 m=45
